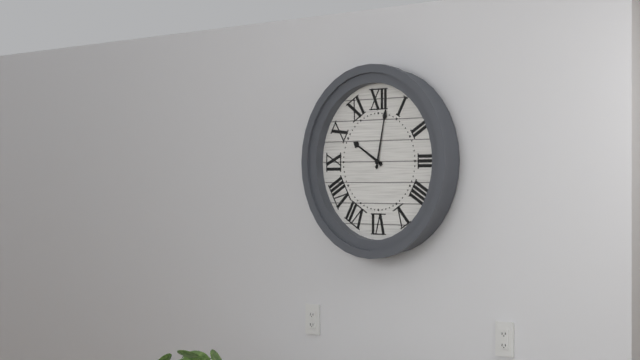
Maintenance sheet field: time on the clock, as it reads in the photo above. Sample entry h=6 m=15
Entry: h=10 m=2
